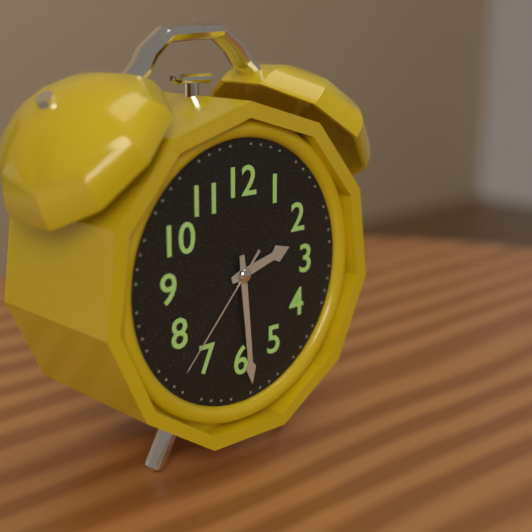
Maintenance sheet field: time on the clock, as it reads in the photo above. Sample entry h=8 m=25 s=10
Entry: h=2 m=29 s=37
